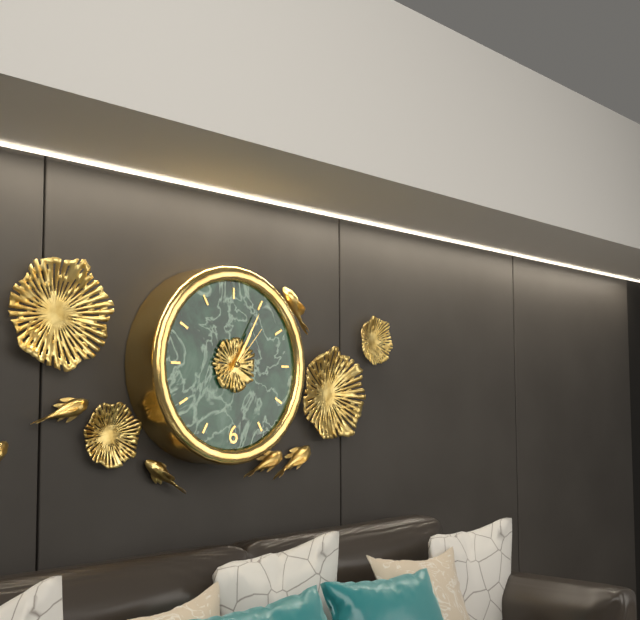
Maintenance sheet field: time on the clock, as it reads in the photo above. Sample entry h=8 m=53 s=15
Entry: h=1 m=5 s=7
